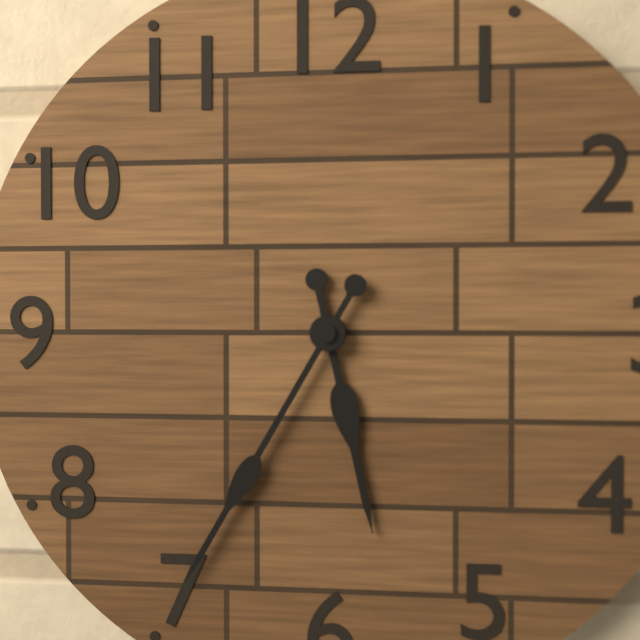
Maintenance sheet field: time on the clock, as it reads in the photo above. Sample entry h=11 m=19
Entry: h=5 m=35
